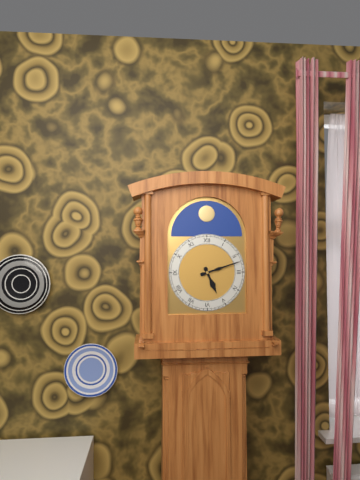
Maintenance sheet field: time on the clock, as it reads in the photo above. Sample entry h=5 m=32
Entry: h=5 m=12
